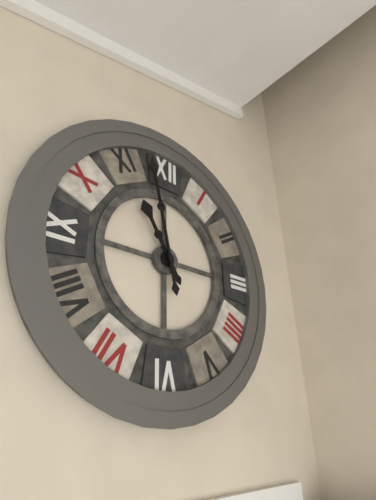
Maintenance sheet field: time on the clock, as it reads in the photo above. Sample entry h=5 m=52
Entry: h=10 m=58
